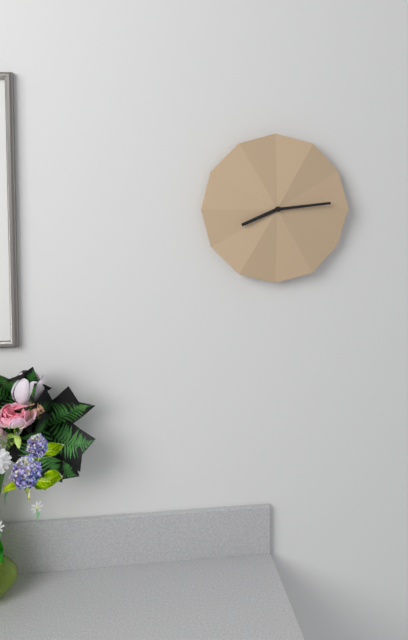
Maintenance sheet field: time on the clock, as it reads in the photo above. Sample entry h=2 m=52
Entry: h=8 m=14
